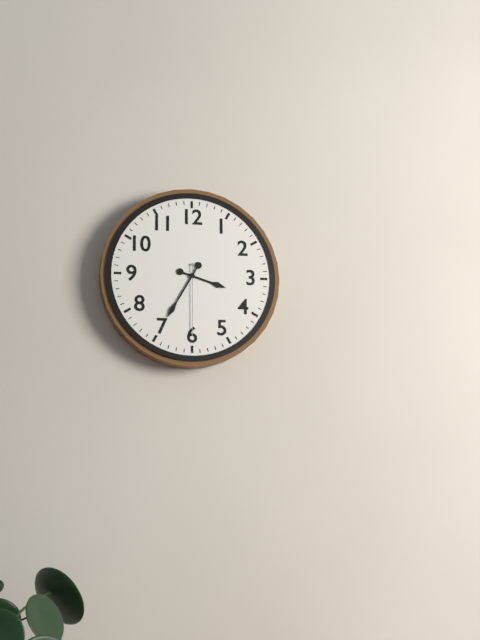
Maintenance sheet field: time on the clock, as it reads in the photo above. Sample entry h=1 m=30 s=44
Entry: h=3 m=35 s=30
